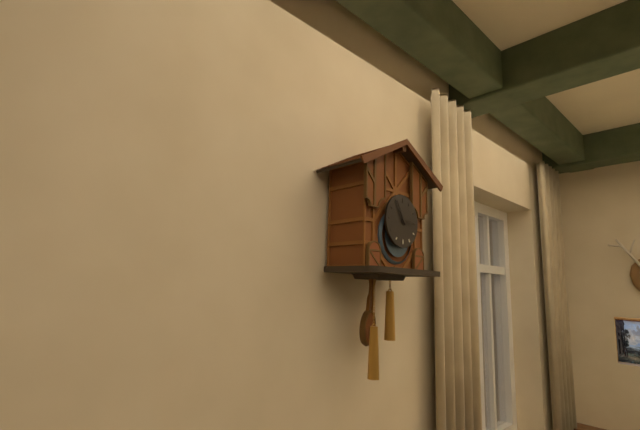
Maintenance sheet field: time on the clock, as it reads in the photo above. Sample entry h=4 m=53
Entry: h=2 m=55
